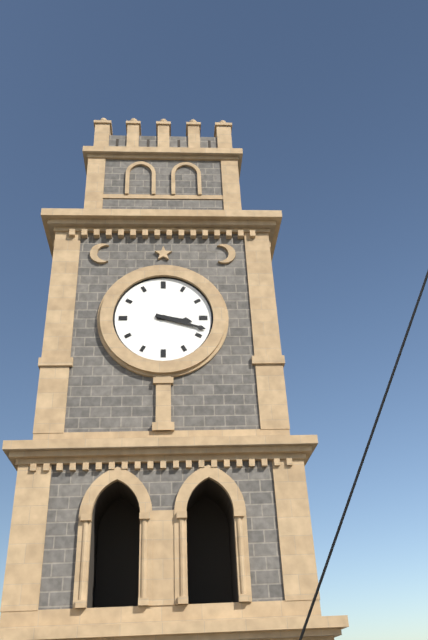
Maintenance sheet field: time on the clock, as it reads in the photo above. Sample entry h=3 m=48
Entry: h=3 m=18
